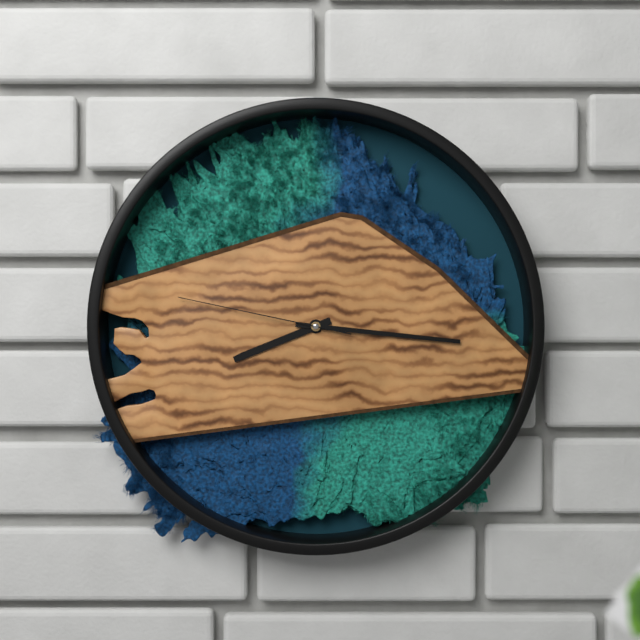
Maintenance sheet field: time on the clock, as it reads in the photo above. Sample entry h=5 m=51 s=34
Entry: h=8 m=16 s=47
